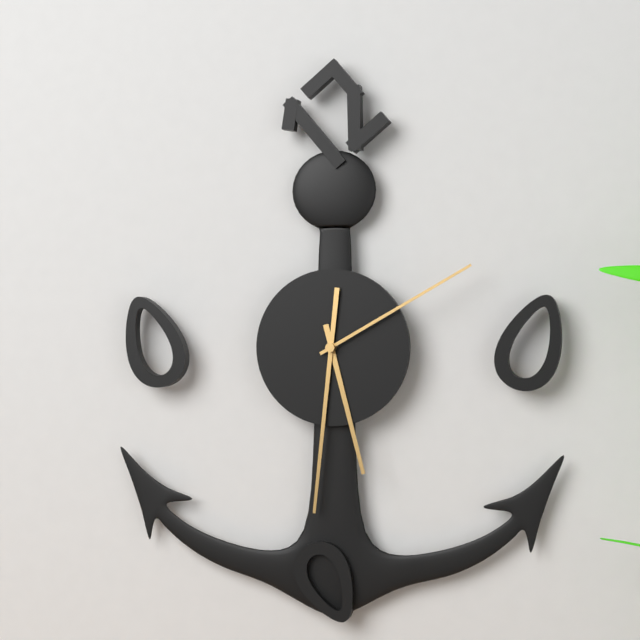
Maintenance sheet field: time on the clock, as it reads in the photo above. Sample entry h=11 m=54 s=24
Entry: h=5 m=31 s=10
